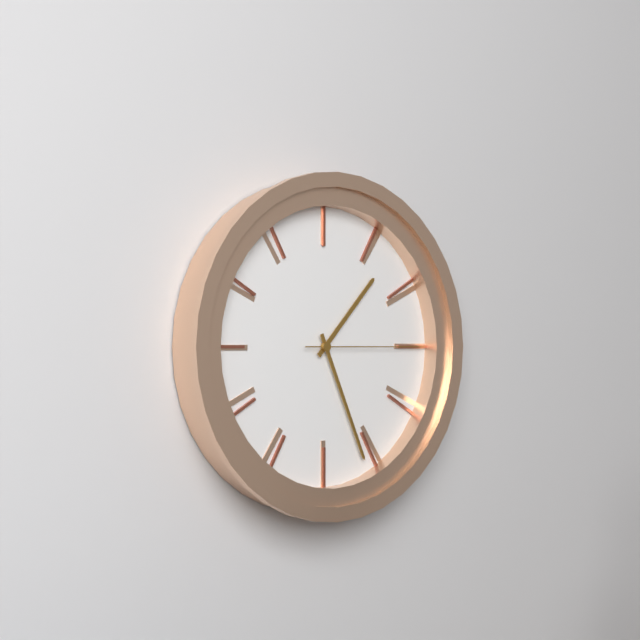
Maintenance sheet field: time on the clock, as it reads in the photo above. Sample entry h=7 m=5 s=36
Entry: h=1 m=26 s=15
